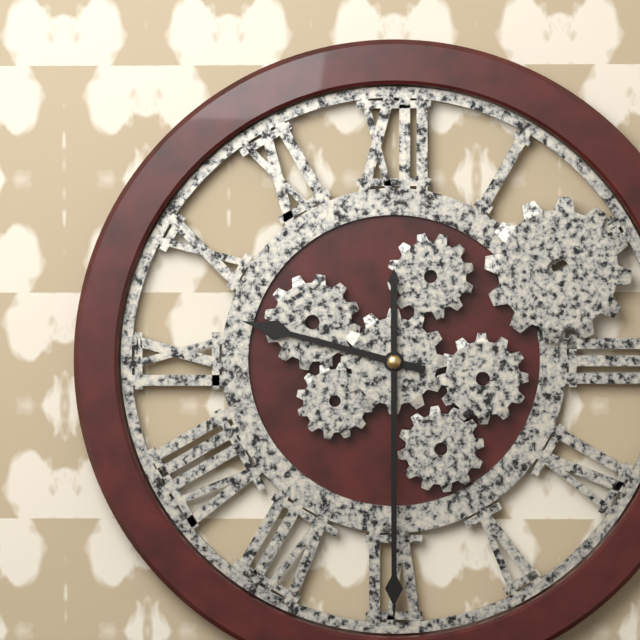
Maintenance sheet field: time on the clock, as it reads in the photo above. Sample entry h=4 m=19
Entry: h=9 m=30
